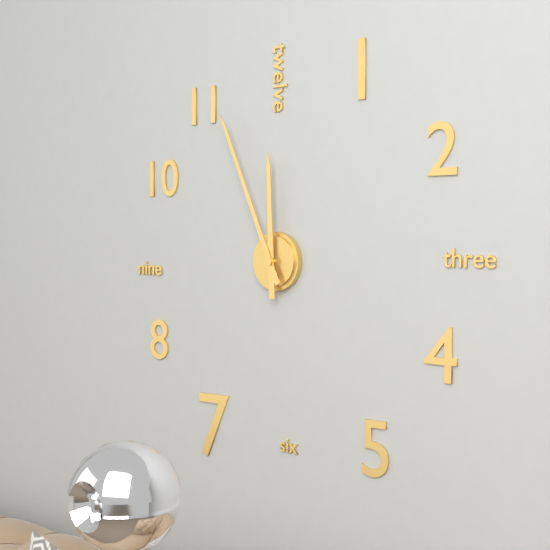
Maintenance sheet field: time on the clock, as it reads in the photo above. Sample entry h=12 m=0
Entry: h=11 m=56
